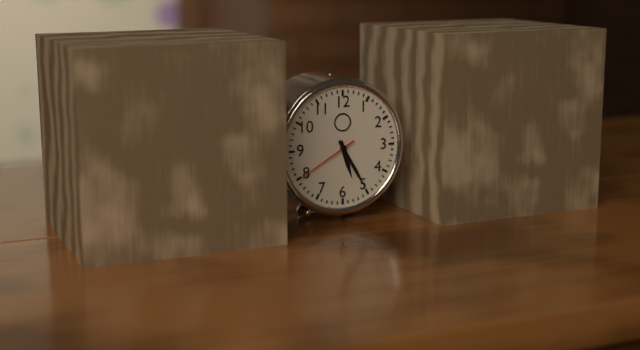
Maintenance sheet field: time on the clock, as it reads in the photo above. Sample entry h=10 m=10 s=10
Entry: h=5 m=25 s=40
